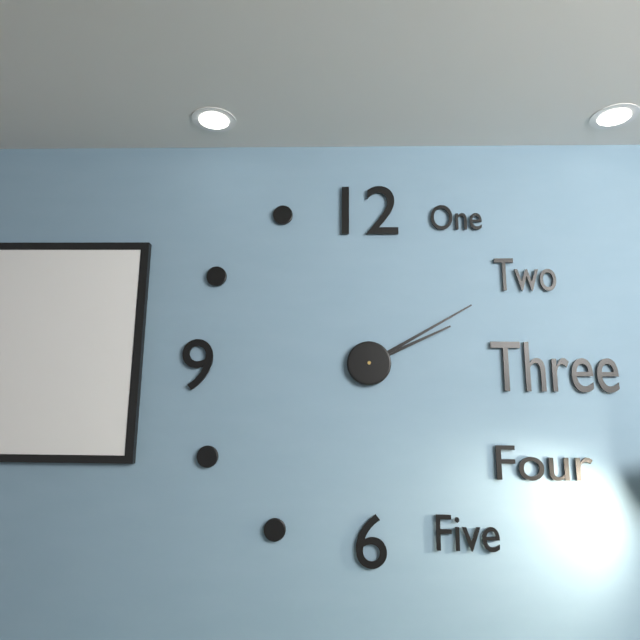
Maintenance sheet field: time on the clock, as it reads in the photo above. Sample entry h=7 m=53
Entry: h=2 m=10
